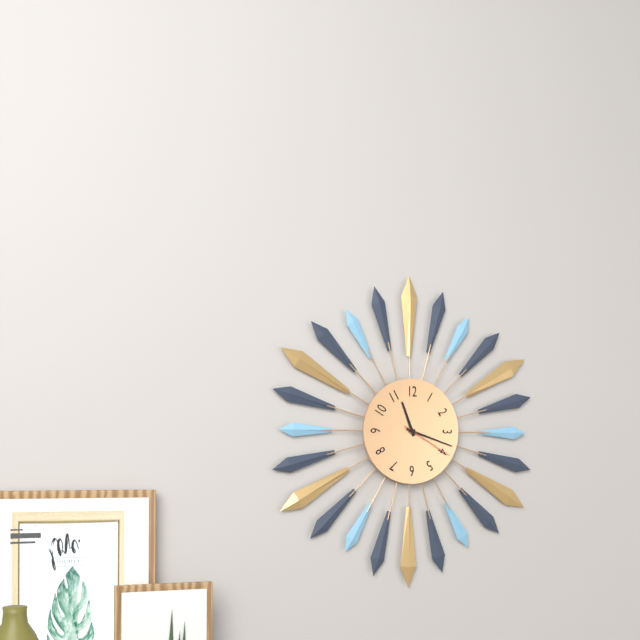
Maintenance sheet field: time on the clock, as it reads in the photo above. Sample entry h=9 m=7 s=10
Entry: h=11 m=18 s=20
